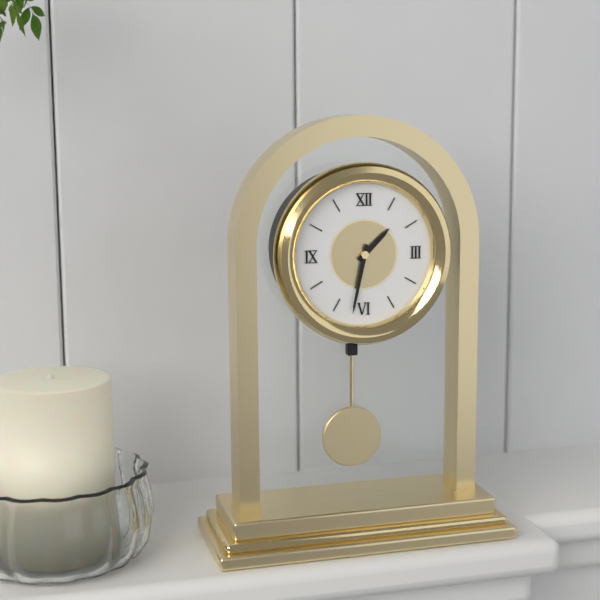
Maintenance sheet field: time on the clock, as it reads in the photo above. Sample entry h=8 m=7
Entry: h=1 m=32
